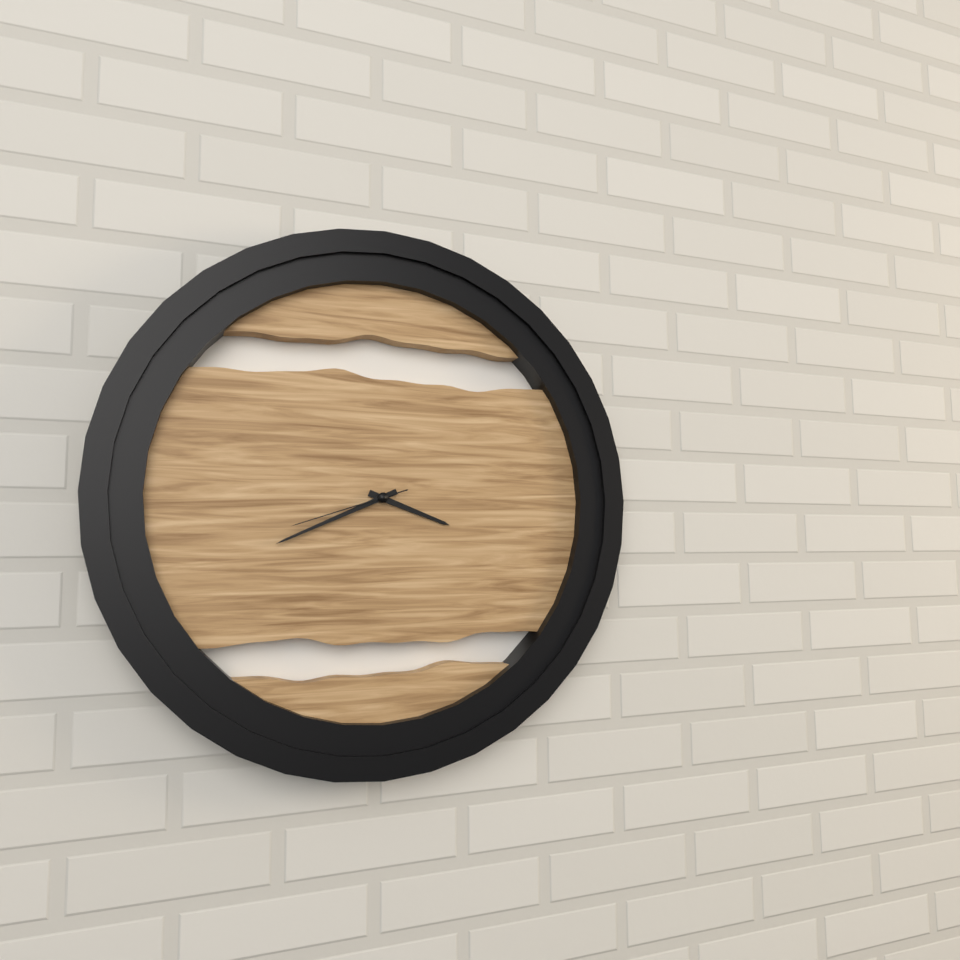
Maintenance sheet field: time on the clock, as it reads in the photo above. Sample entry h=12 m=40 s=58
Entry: h=3 m=41 s=42
